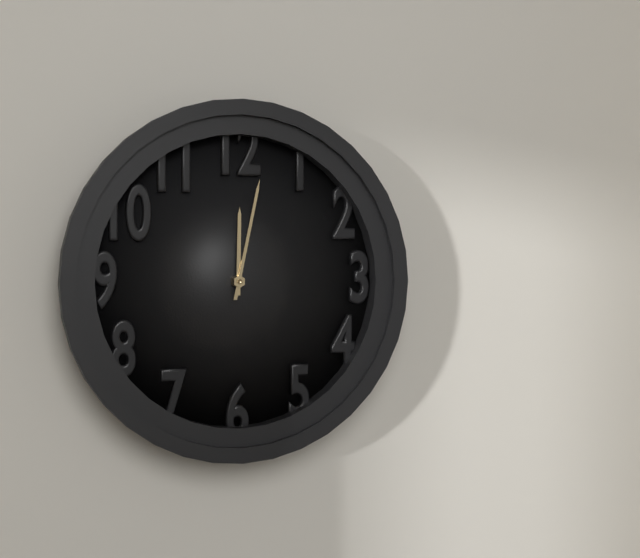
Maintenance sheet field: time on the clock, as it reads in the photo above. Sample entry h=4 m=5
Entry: h=12 m=2
